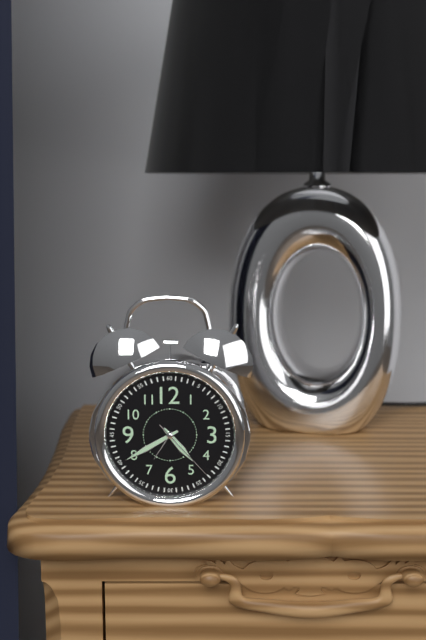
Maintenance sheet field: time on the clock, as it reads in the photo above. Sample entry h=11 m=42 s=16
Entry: h=4 m=40 s=23
